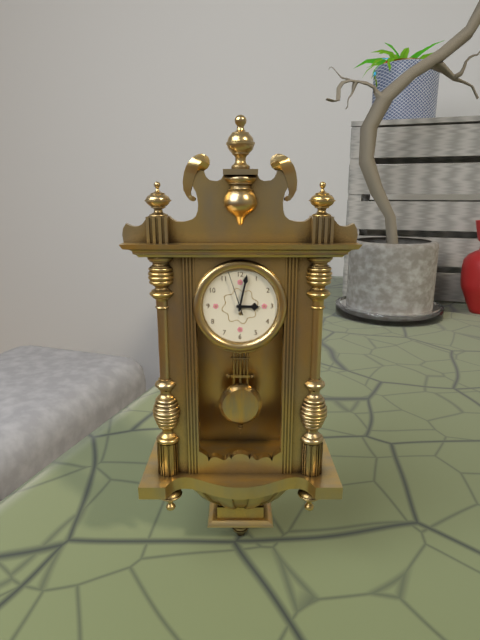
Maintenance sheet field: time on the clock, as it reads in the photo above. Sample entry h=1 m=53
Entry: h=3 m=2
